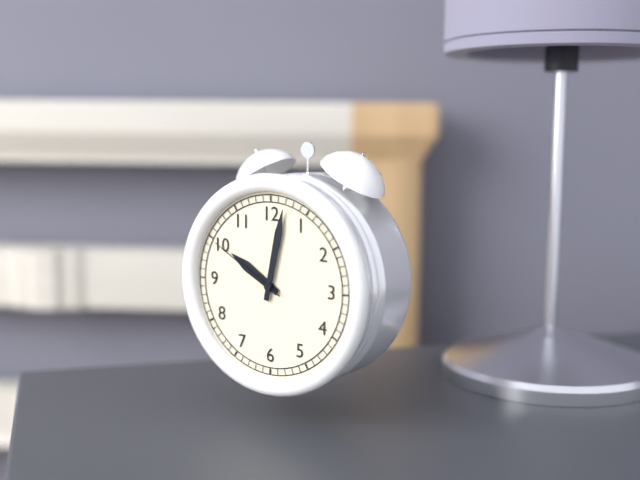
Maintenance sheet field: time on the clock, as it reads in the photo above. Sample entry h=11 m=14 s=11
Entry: h=10 m=2 s=50
